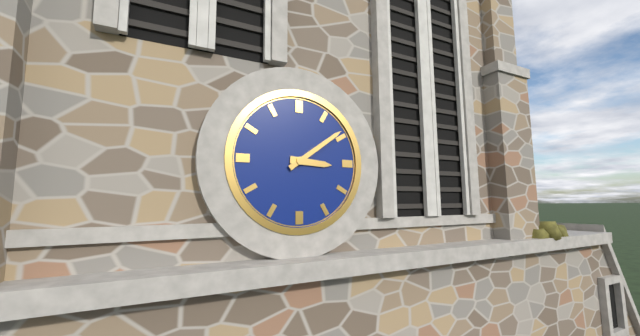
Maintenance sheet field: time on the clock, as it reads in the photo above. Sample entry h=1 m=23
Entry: h=3 m=9
